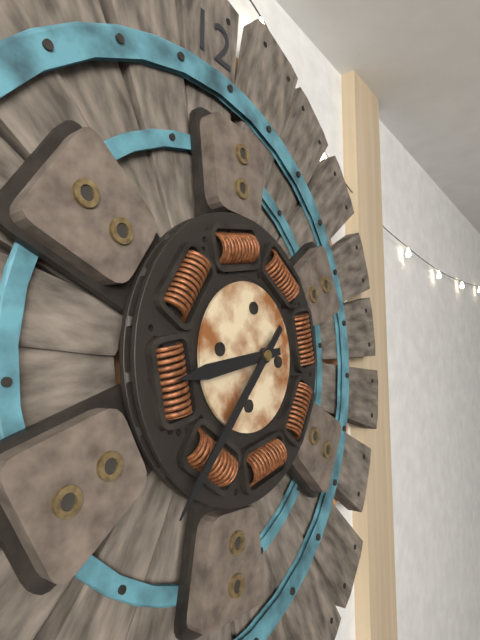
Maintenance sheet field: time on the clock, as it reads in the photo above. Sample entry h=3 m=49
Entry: h=8 m=37
